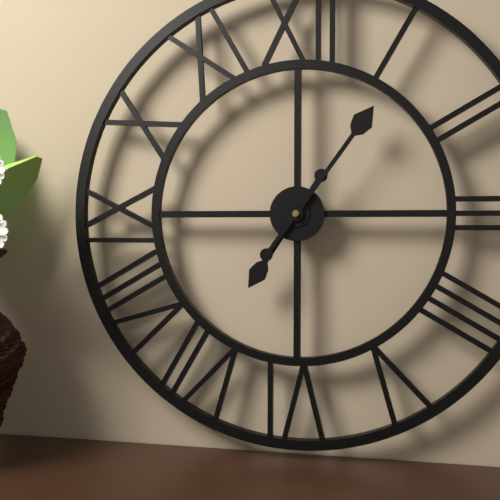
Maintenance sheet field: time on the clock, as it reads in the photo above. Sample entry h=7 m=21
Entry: h=7 m=6
